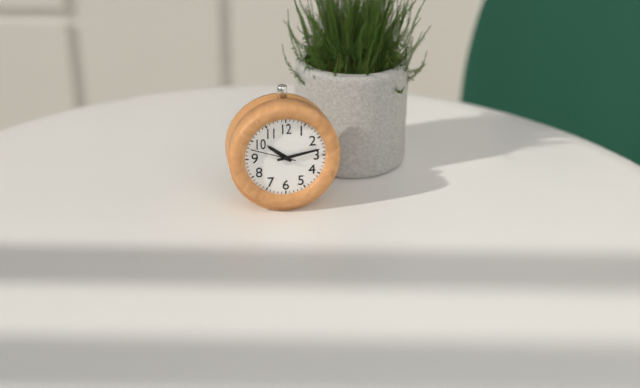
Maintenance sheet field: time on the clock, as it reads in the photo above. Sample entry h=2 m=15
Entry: h=10 m=13
